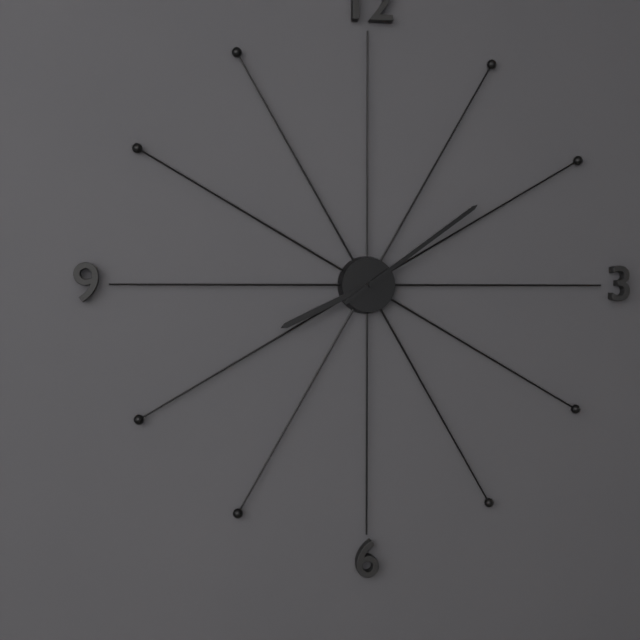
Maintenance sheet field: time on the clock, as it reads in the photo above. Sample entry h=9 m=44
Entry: h=8 m=9
